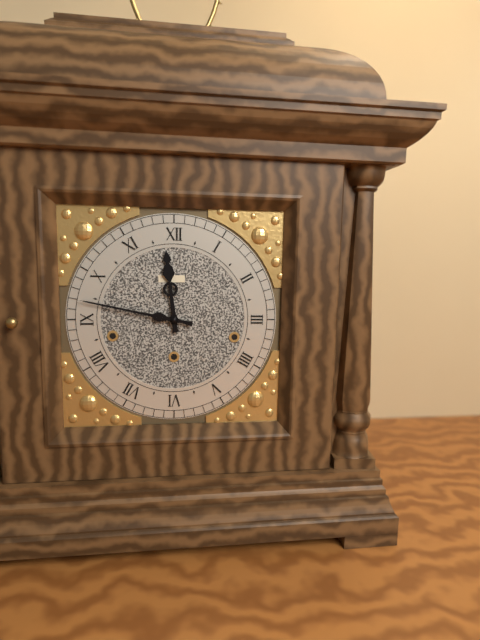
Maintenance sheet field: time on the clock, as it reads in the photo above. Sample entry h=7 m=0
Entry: h=11 m=47
